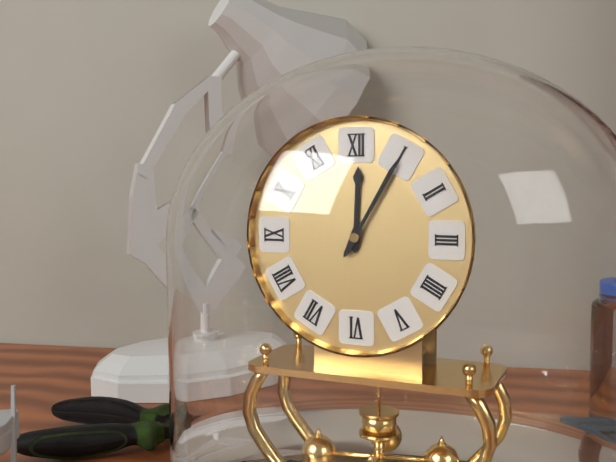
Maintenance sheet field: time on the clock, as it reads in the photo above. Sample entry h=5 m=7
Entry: h=12 m=5
